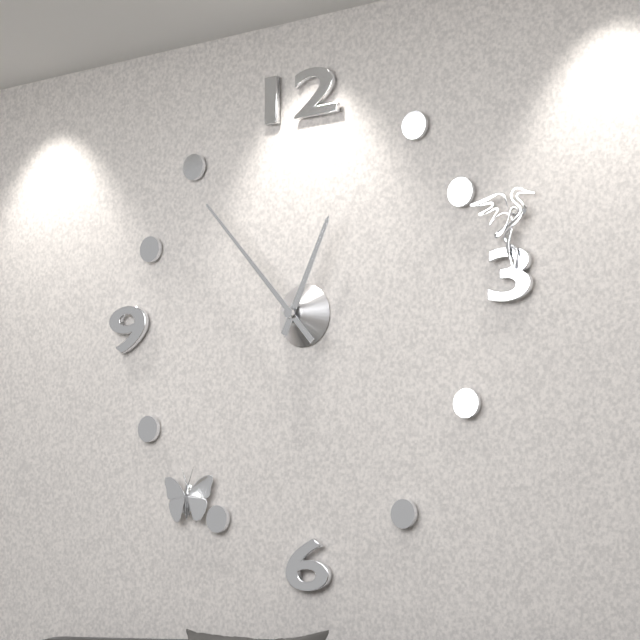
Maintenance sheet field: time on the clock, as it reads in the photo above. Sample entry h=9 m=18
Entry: h=12 m=53
